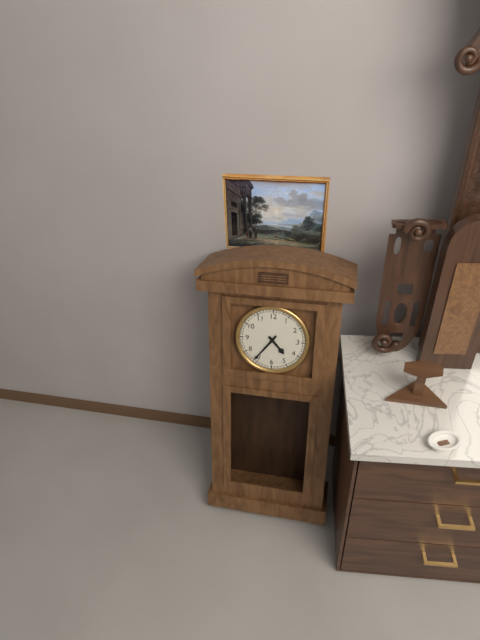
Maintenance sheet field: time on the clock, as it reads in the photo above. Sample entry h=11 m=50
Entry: h=4 m=36
